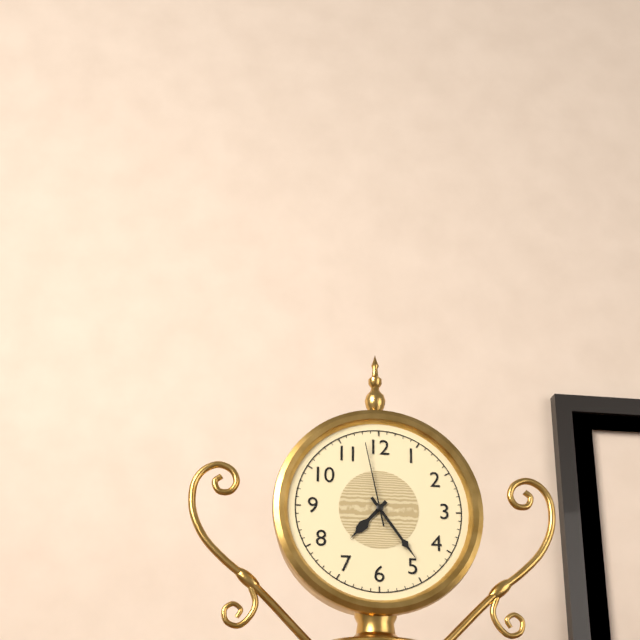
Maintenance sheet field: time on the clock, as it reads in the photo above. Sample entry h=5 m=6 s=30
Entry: h=7 m=24 s=58
